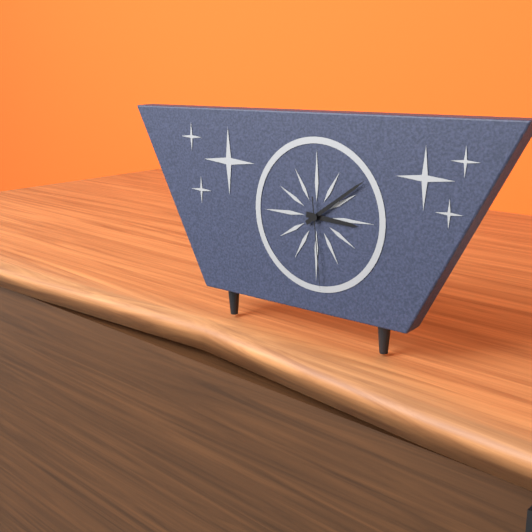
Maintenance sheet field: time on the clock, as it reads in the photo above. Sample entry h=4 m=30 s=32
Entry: h=3 m=9 s=29
